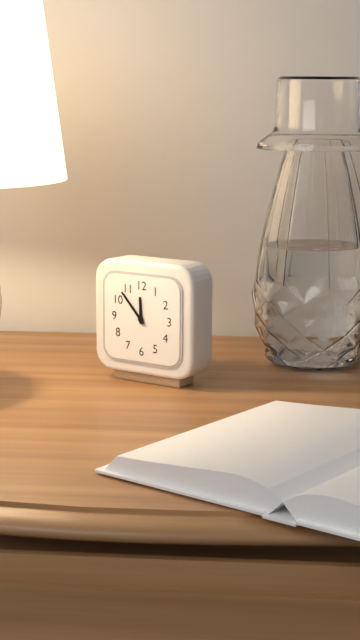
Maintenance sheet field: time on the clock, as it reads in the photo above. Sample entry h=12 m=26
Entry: h=11 m=53
